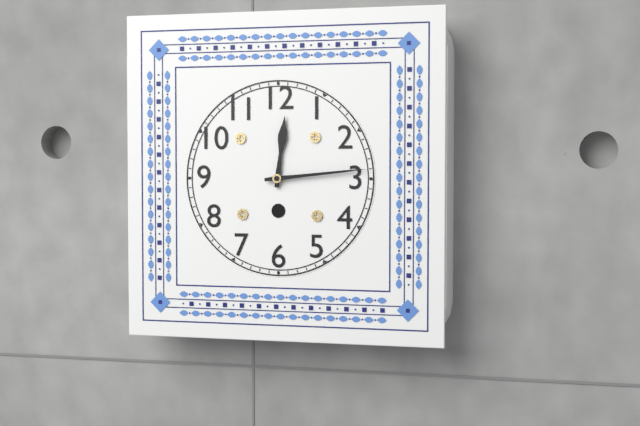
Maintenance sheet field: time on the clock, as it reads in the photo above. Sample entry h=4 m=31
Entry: h=12 m=14
